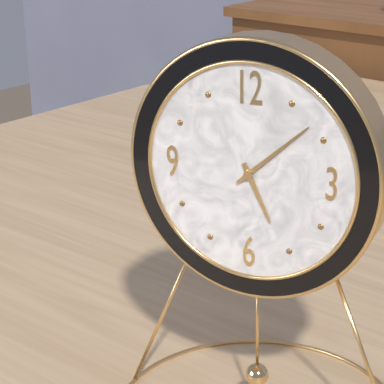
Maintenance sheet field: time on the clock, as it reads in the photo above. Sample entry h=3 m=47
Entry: h=5 m=8
